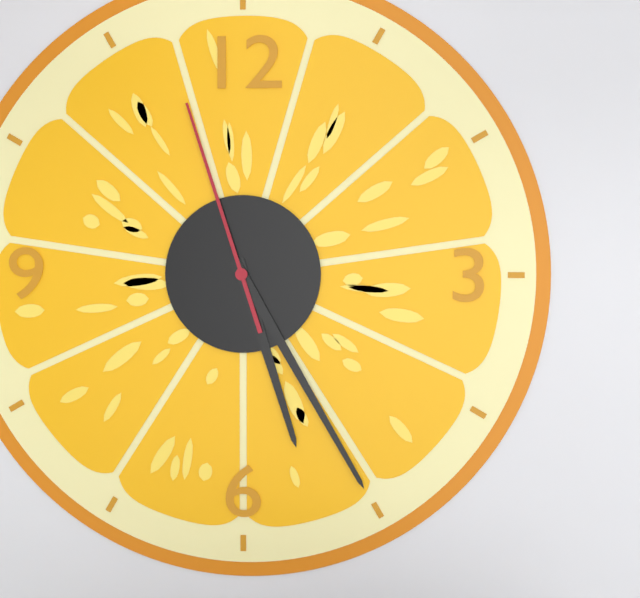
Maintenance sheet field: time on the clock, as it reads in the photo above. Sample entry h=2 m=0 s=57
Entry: h=5 m=25 s=57
